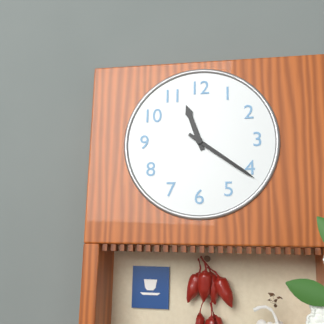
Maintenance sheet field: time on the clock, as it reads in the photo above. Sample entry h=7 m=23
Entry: h=11 m=21
